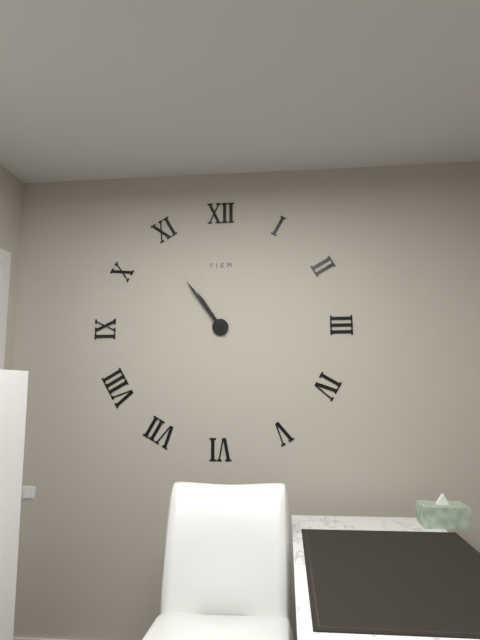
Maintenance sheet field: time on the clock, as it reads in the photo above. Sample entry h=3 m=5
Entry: h=10 m=54
